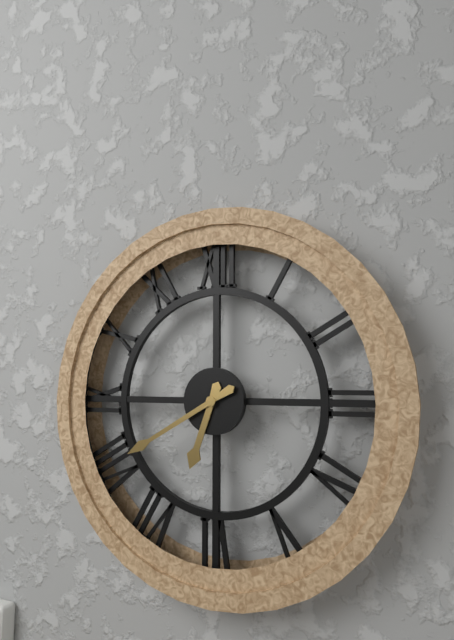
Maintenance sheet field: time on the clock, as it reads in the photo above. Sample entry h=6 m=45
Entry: h=6 m=40
